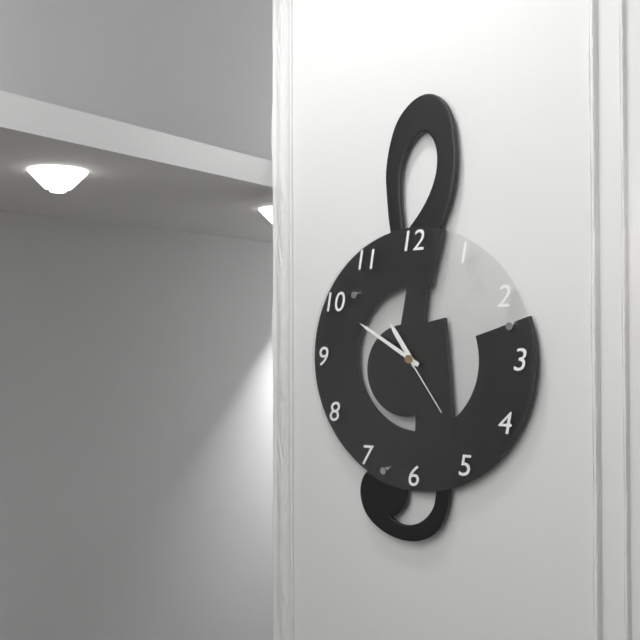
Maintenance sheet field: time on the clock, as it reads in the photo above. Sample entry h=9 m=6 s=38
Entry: h=10 m=50 s=24
